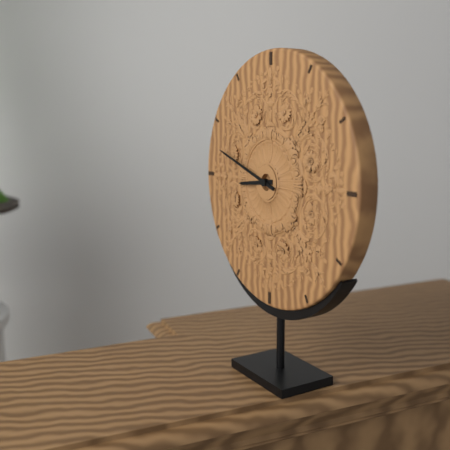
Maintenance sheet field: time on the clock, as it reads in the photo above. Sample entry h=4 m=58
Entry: h=8 m=48
